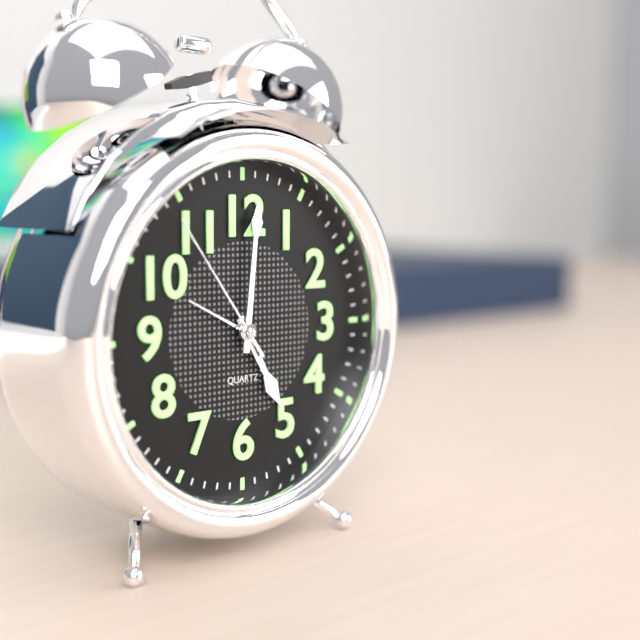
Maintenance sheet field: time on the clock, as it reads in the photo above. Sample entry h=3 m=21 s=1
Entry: h=5 m=1 s=54
